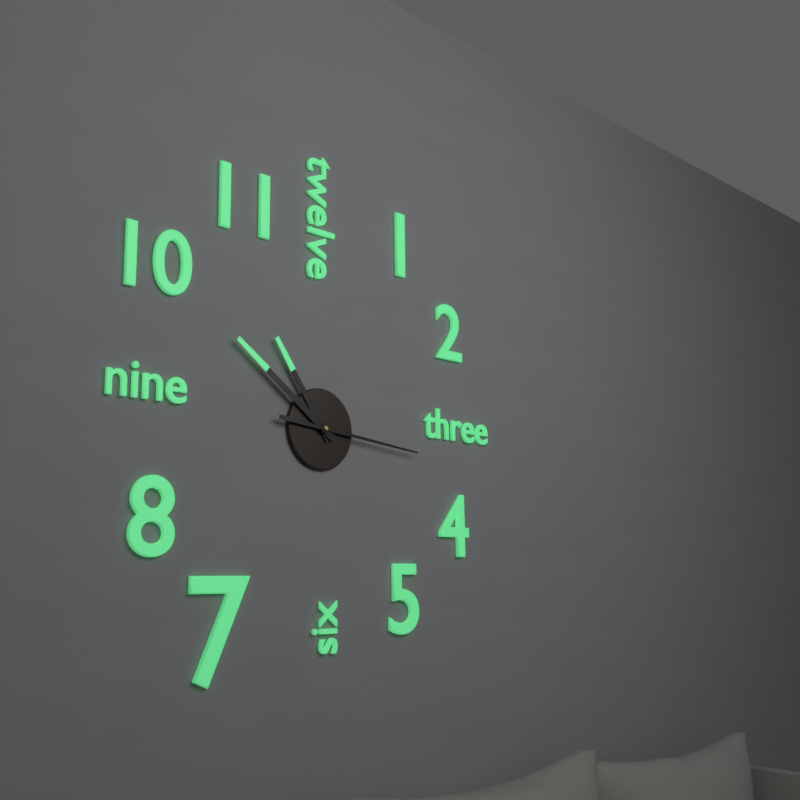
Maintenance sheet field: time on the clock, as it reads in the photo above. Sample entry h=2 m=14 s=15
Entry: h=10 m=51 s=16
